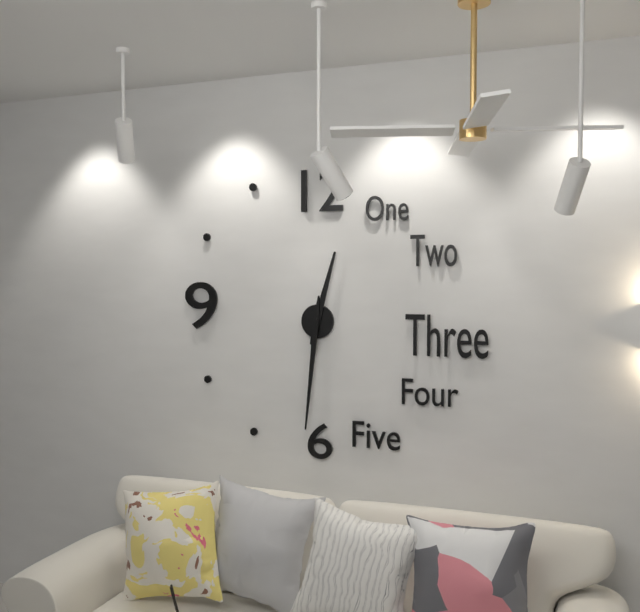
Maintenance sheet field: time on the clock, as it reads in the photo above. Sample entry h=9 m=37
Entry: h=12 m=31
